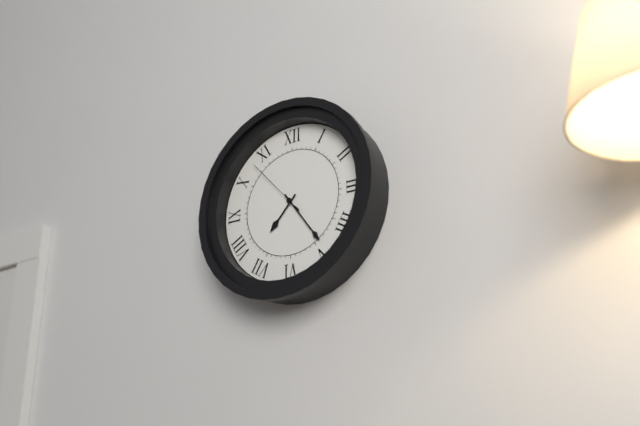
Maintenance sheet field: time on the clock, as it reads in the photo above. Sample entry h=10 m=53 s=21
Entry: h=7 m=24 s=53
